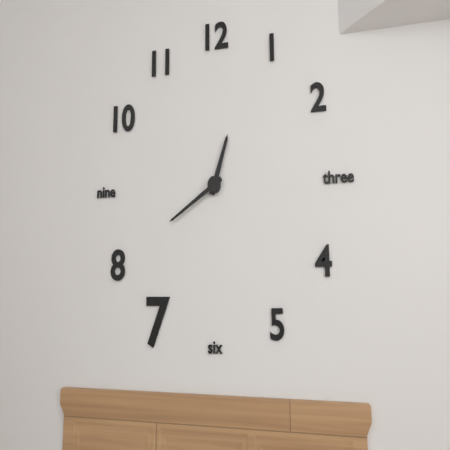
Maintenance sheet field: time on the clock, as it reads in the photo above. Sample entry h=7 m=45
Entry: h=12 m=40
